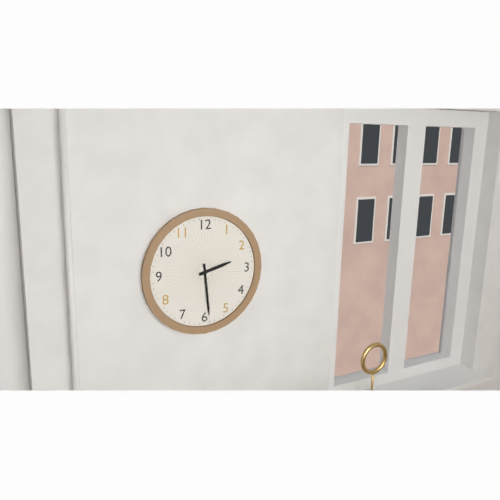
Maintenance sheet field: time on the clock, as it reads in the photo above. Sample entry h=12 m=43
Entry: h=2 m=29
